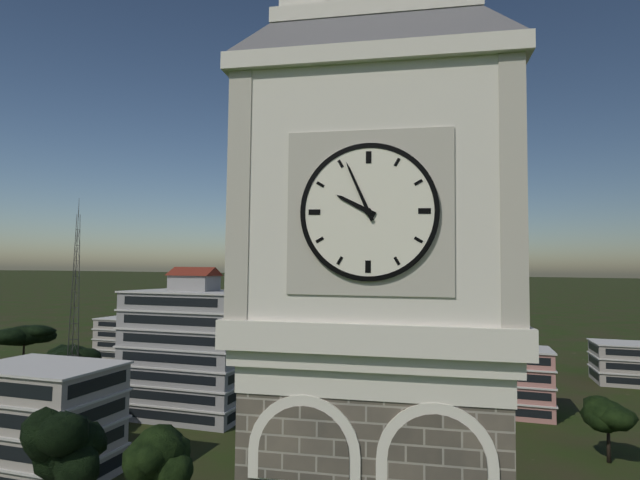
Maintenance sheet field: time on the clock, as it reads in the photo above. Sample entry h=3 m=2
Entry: h=9 m=56
